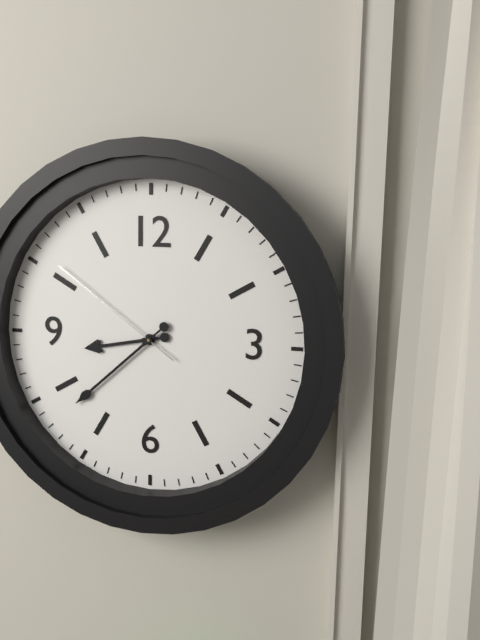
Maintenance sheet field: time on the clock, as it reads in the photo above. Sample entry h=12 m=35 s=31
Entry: h=8 m=38 s=51
